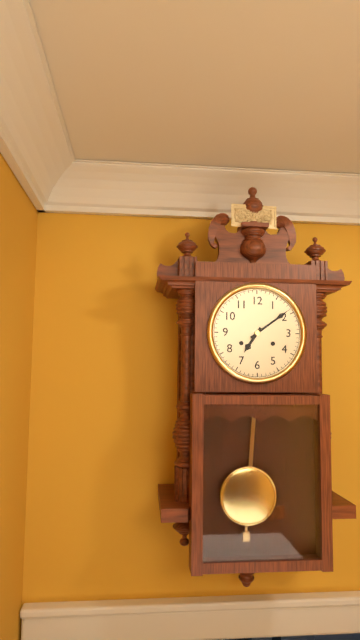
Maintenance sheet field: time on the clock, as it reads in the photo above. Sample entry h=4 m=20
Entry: h=7 m=9
